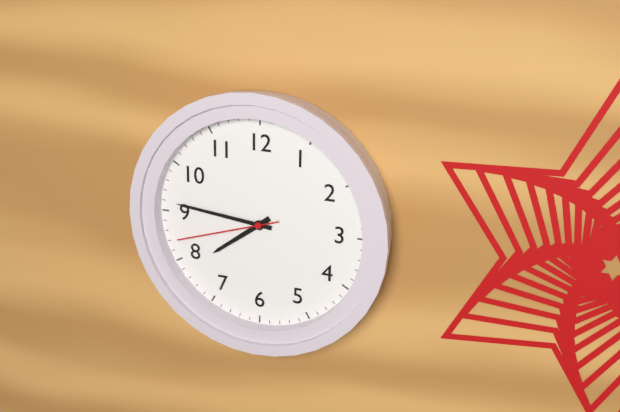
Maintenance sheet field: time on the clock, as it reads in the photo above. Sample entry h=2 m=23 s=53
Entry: h=7 m=46 s=42
